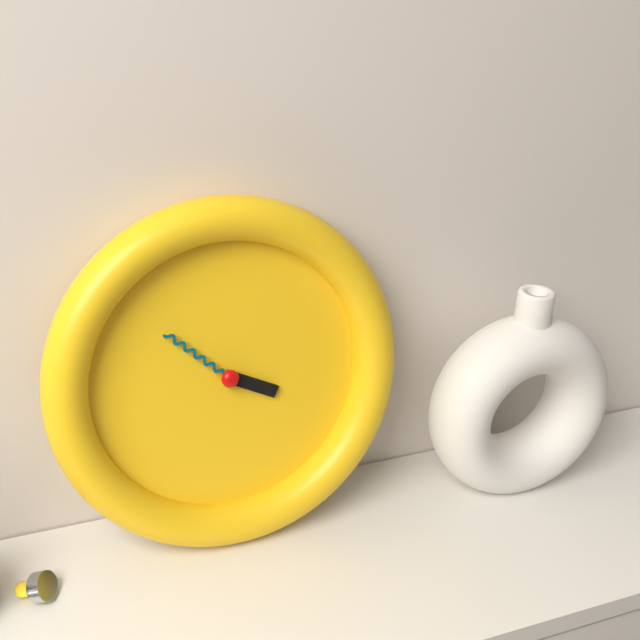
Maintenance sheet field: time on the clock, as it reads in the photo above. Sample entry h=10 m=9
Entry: h=3 m=52
